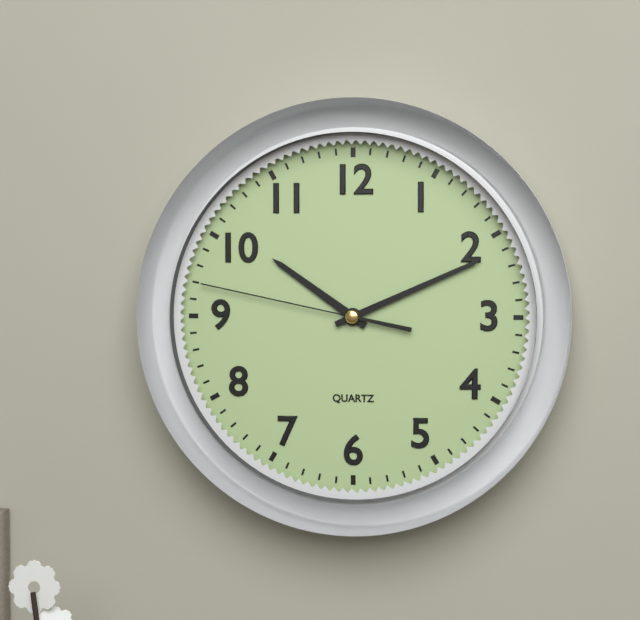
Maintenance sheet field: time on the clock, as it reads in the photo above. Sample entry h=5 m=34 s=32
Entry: h=10 m=11 s=47
